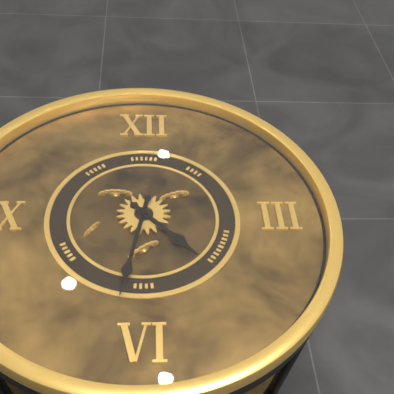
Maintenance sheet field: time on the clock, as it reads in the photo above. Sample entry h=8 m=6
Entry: h=4 m=32
